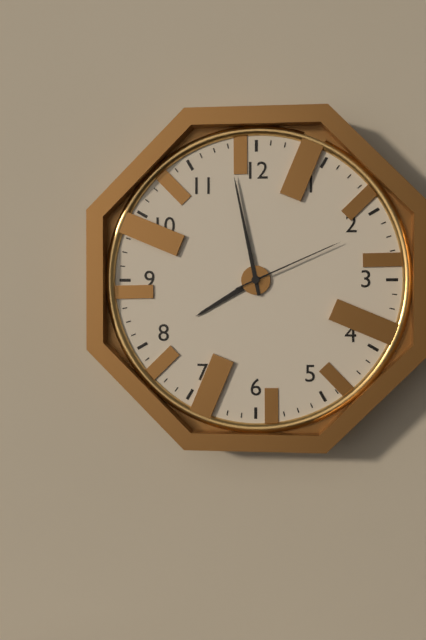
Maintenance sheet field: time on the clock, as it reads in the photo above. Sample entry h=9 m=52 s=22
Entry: h=7 m=58 s=11
